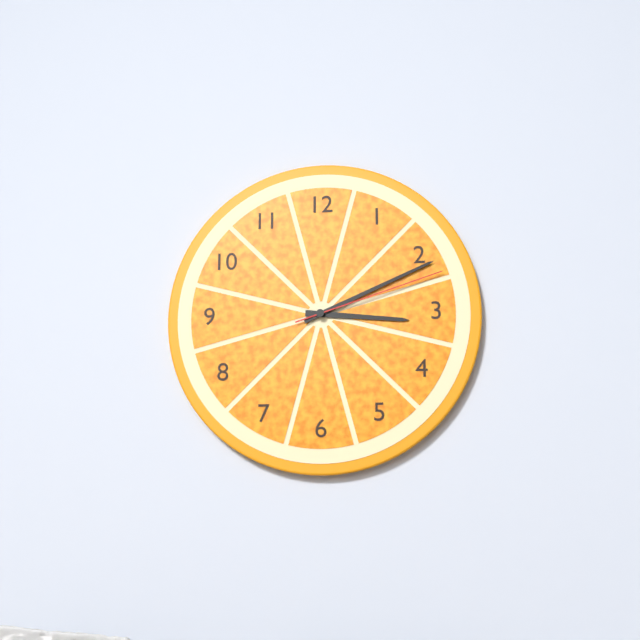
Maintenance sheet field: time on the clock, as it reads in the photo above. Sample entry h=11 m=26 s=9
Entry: h=3 m=11 s=12
